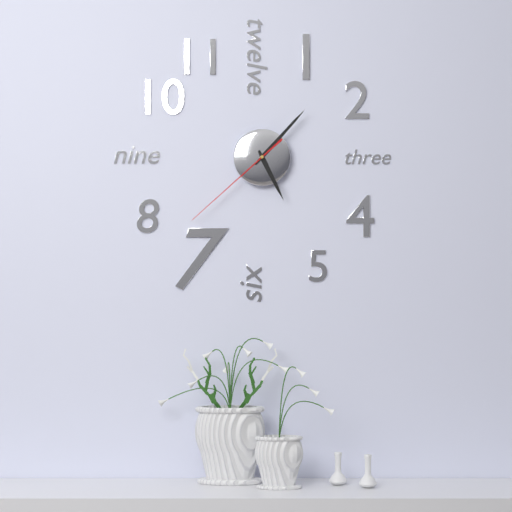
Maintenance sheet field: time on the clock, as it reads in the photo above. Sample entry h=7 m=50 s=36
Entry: h=5 m=7 s=38
